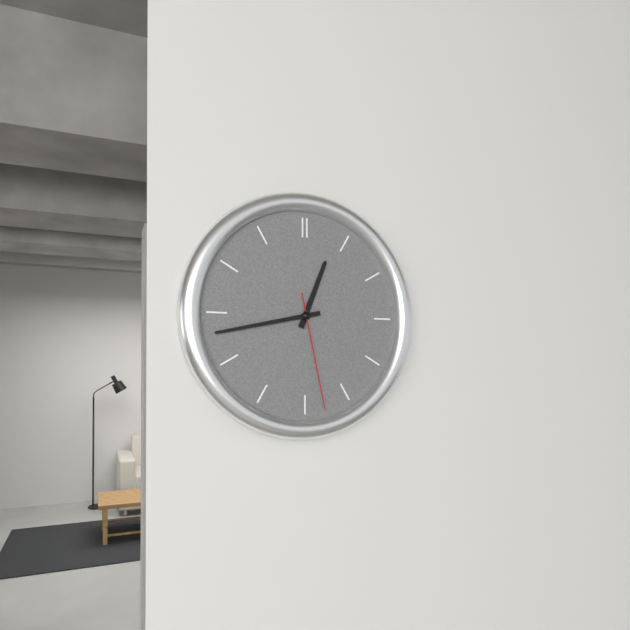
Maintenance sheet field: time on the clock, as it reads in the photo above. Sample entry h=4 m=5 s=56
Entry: h=12 m=43 s=28
